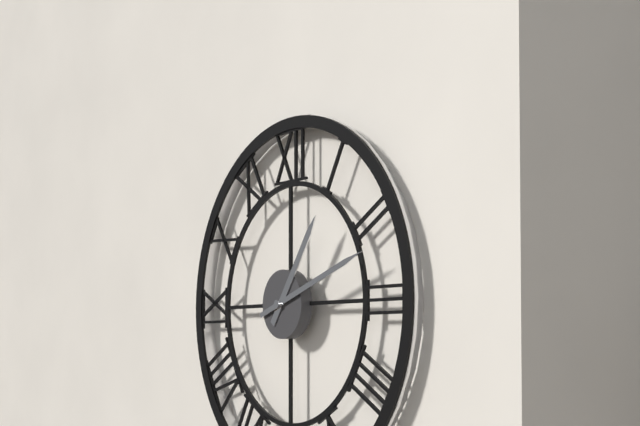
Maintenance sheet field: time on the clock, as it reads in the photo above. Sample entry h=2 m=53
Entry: h=1 m=12
